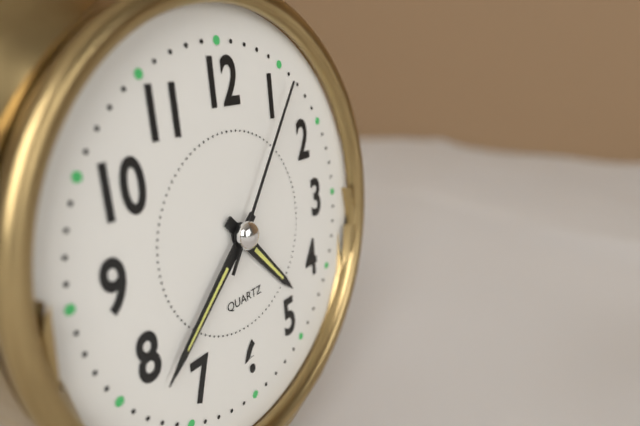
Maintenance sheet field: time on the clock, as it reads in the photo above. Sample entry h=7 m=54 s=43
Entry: h=4 m=38 s=6
